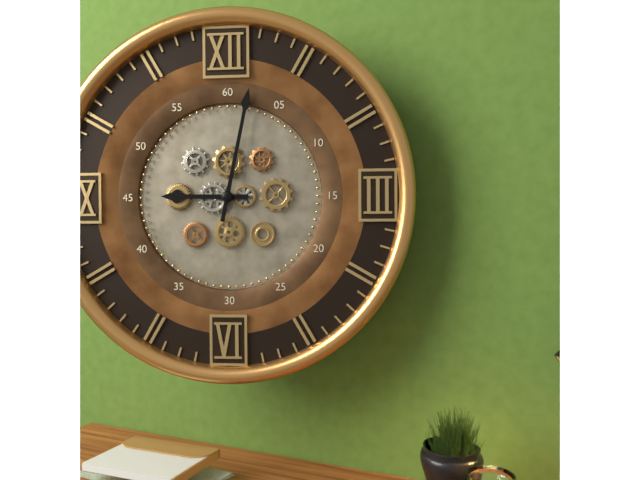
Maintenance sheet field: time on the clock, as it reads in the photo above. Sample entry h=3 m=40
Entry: h=9 m=2
